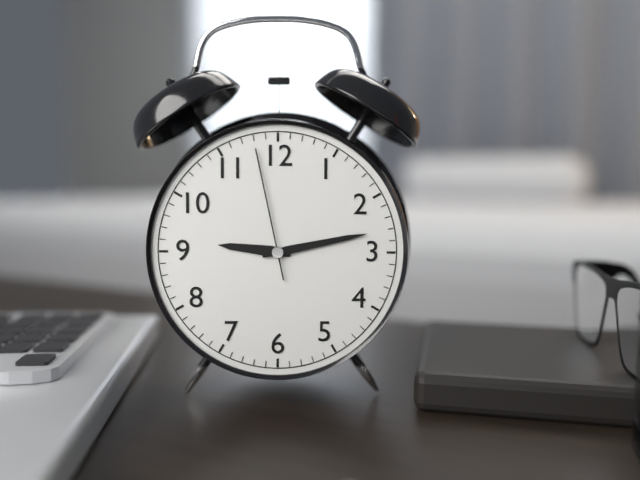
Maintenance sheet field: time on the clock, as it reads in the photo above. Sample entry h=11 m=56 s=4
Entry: h=9 m=13 s=58
